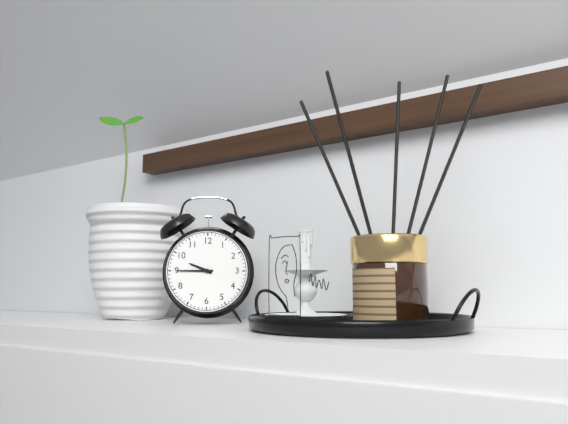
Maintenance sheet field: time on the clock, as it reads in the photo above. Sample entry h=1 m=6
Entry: h=9 m=45
